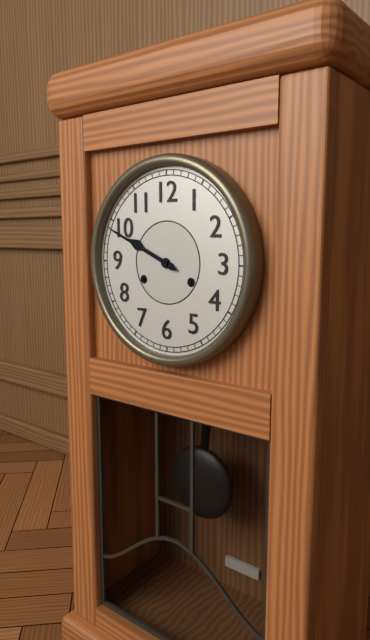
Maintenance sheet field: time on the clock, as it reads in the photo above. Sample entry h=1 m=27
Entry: h=9 m=49
